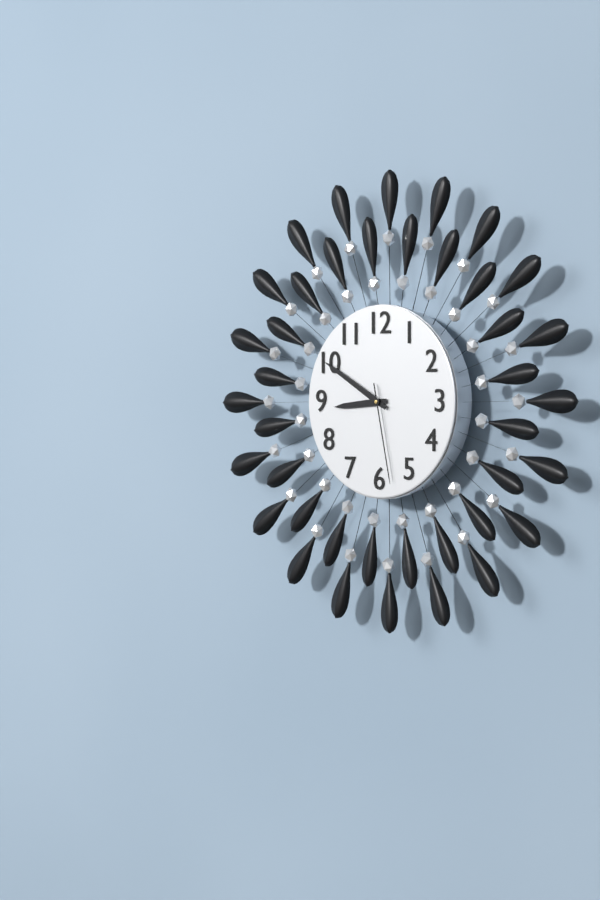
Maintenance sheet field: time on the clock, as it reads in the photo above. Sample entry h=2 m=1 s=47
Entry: h=8 m=50 s=28
